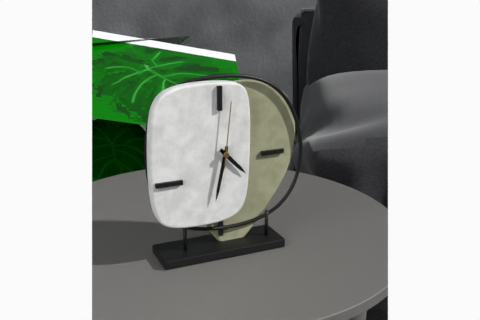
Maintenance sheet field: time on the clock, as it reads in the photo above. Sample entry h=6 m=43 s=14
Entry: h=4 m=32 s=1
